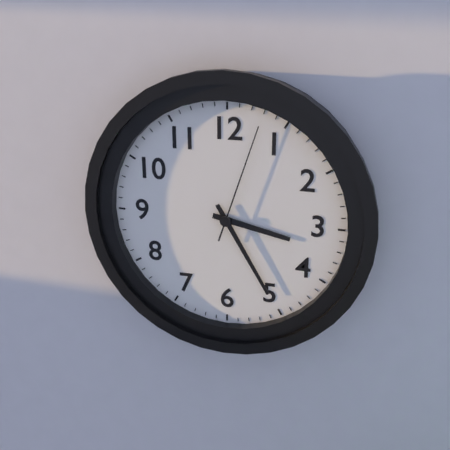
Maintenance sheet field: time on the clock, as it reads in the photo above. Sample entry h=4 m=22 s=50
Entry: h=3 m=25 s=3
